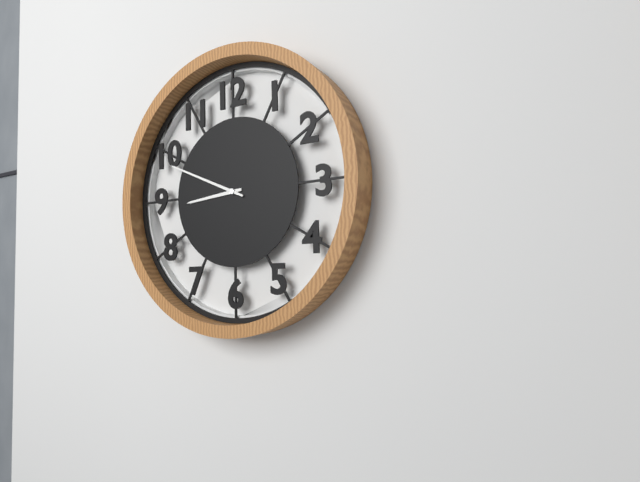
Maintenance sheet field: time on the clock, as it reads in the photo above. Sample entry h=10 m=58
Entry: h=8 m=49
